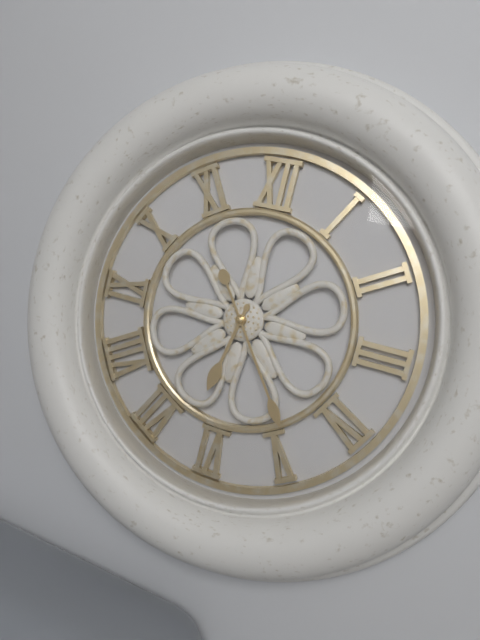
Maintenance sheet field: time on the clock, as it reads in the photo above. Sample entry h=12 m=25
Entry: h=6 m=24
